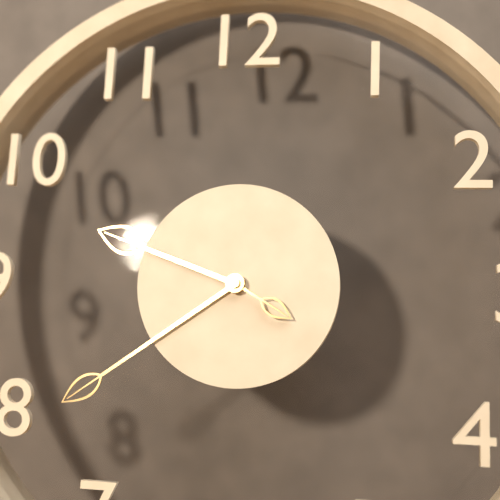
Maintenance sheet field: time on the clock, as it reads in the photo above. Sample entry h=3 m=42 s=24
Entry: h=9 m=39 s=20
